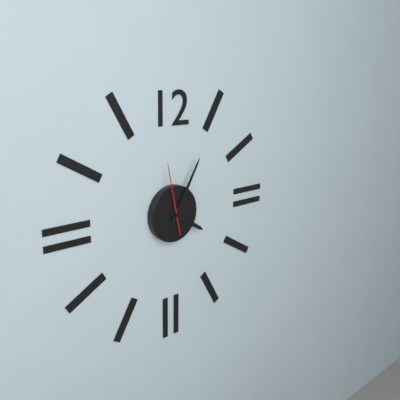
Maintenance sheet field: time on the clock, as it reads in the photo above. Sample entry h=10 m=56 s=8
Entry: h=4 m=5 s=58
